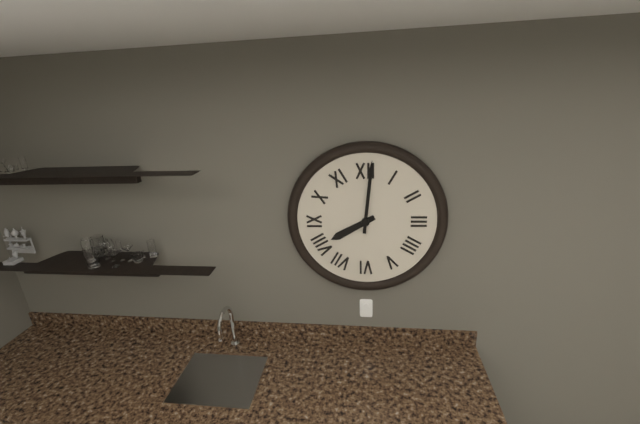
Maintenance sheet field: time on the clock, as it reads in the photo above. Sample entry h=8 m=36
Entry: h=8 m=1
